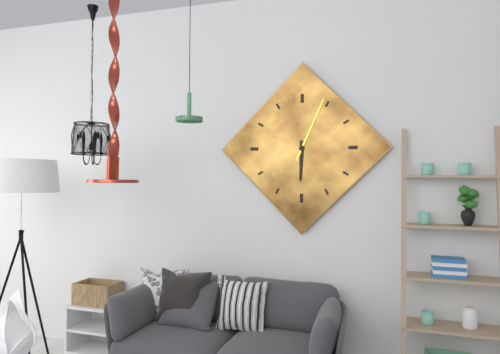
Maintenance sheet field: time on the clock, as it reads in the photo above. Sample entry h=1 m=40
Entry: h=6 m=4
